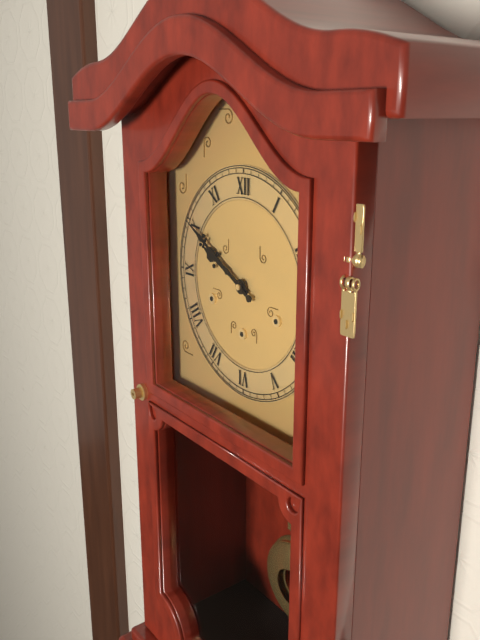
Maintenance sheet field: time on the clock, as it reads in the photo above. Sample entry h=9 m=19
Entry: h=9 m=50
